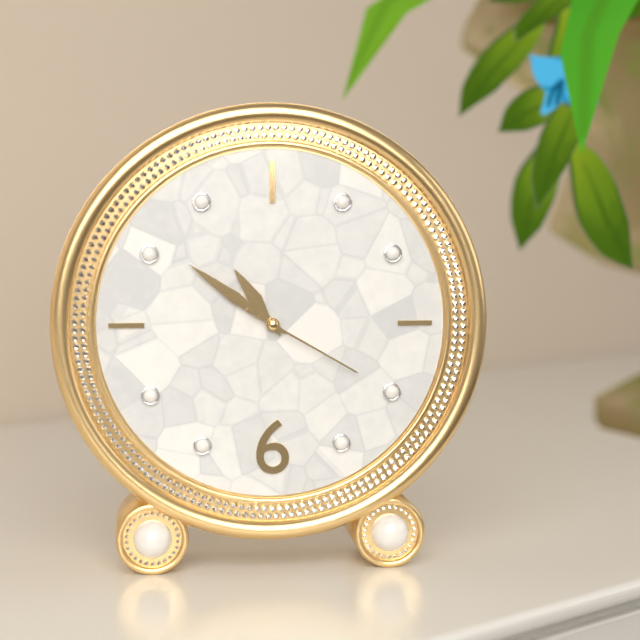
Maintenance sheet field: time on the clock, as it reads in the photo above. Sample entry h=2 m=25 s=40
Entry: h=10 m=51 s=20
